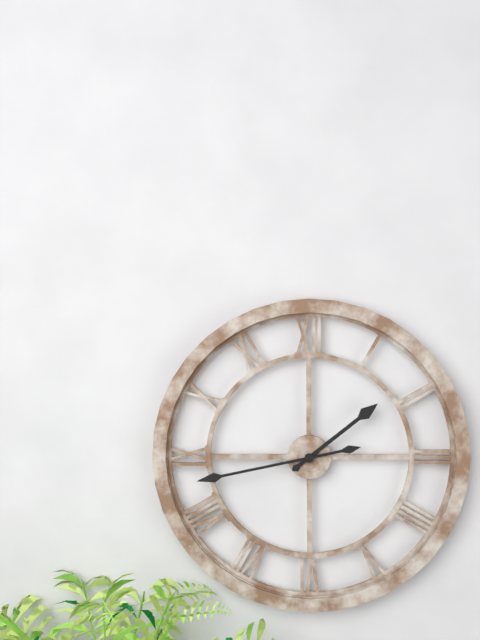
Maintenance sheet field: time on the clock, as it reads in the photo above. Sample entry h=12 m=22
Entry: h=1 m=43
